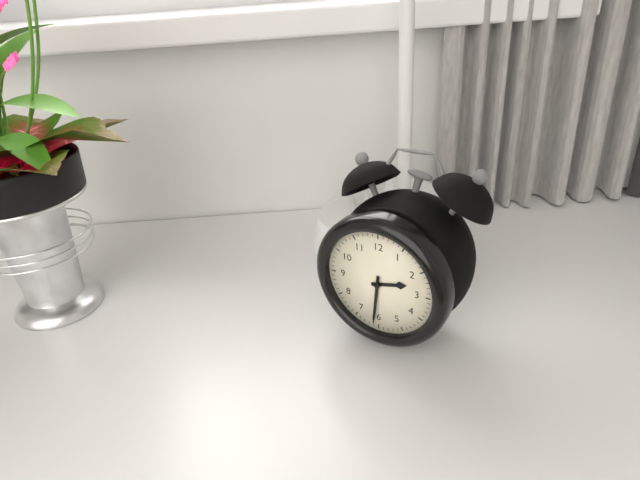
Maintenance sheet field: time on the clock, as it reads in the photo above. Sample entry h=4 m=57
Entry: h=2 m=31
